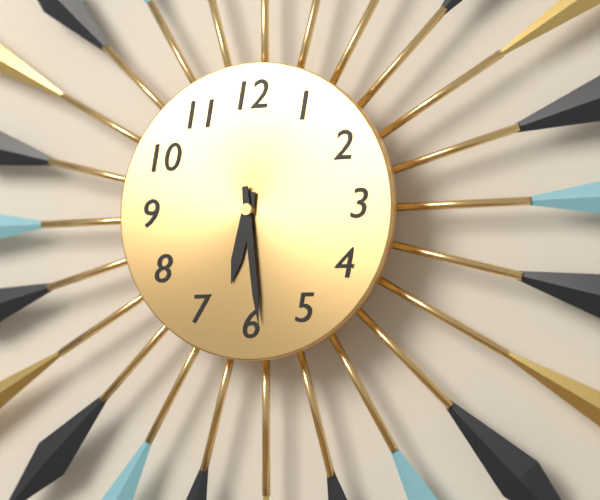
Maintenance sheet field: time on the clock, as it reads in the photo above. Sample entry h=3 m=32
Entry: h=6 m=29
